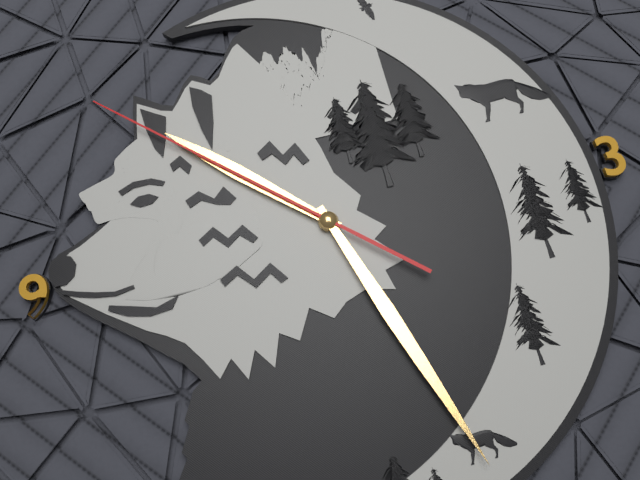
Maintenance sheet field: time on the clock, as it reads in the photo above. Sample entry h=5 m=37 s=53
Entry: h=10 m=27 s=52
